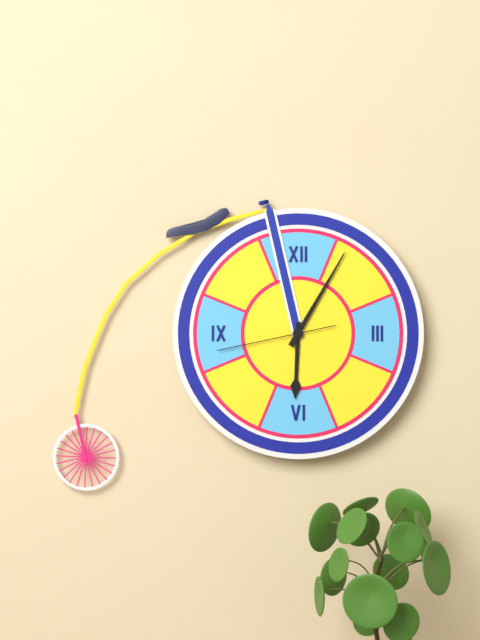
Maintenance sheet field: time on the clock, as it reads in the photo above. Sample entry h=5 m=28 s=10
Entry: h=6 m=5 s=43
